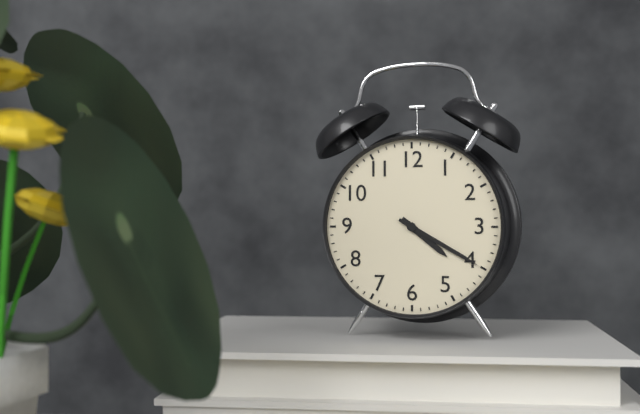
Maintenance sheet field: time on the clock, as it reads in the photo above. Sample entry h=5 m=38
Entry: h=4 m=20
